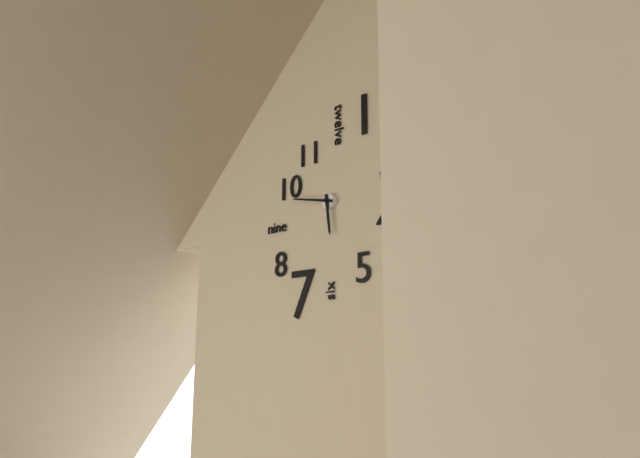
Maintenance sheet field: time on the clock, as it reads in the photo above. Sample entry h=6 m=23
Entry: h=5 m=47
